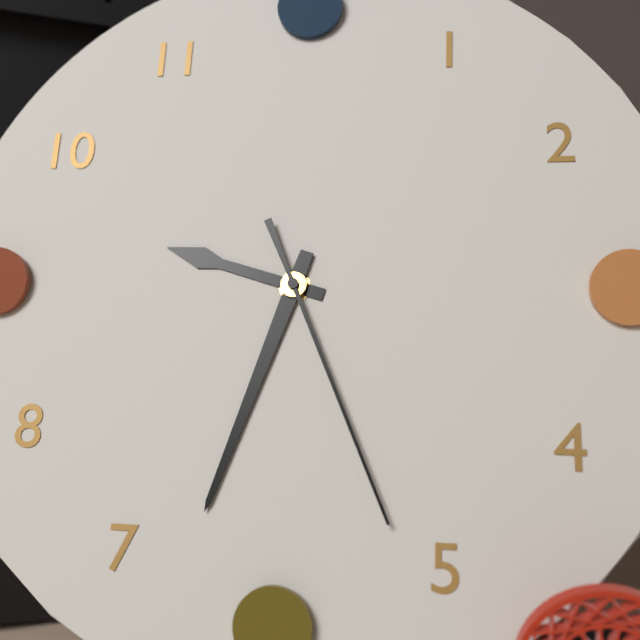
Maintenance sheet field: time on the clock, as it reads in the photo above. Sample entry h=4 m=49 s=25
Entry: h=9 m=33 s=26
